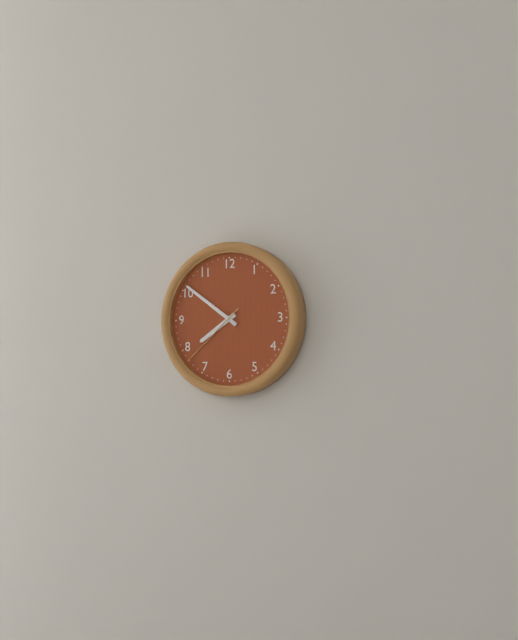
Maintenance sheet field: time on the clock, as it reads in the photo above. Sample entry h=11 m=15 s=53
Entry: h=7 m=51 s=38
